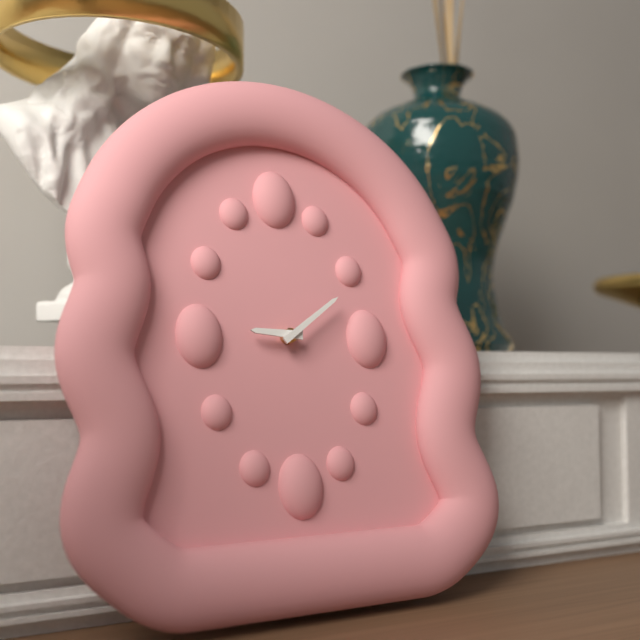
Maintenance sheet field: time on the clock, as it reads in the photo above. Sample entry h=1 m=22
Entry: h=9 m=9
